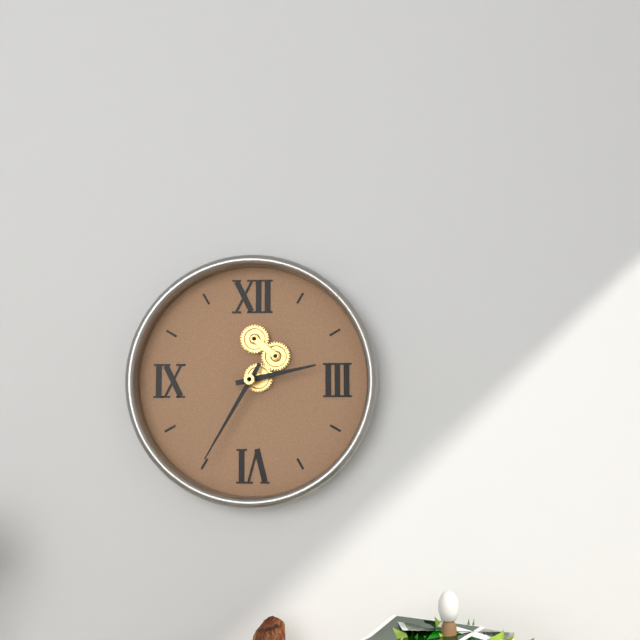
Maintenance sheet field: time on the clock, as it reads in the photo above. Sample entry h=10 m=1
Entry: h=2 m=35
